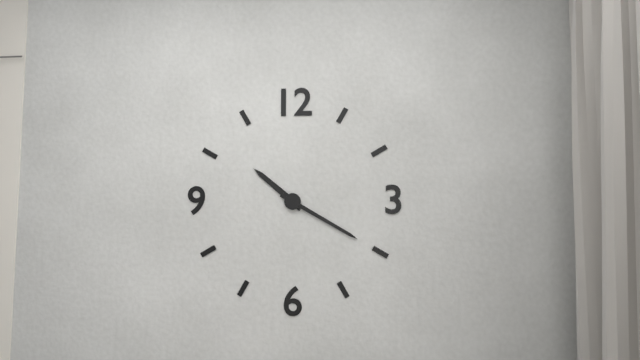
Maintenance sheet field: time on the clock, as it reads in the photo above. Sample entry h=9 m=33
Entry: h=10 m=20
